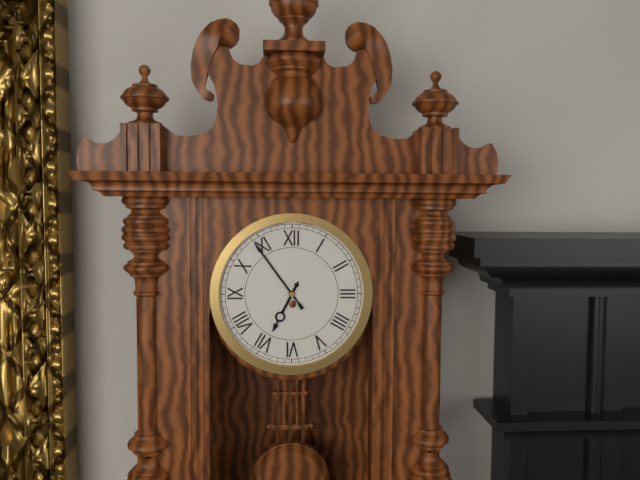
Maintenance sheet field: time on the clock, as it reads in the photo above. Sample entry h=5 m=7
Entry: h=6 m=54
